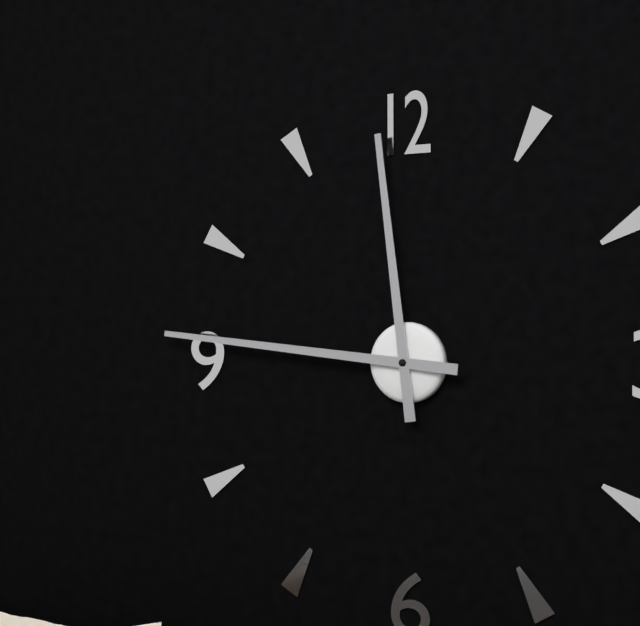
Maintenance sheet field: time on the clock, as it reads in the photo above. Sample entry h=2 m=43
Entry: h=11 m=46
